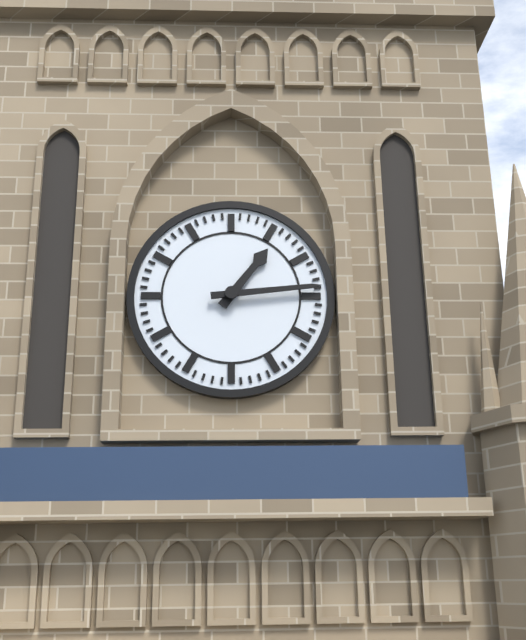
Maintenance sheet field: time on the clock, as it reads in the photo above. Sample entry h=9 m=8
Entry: h=1 m=14
